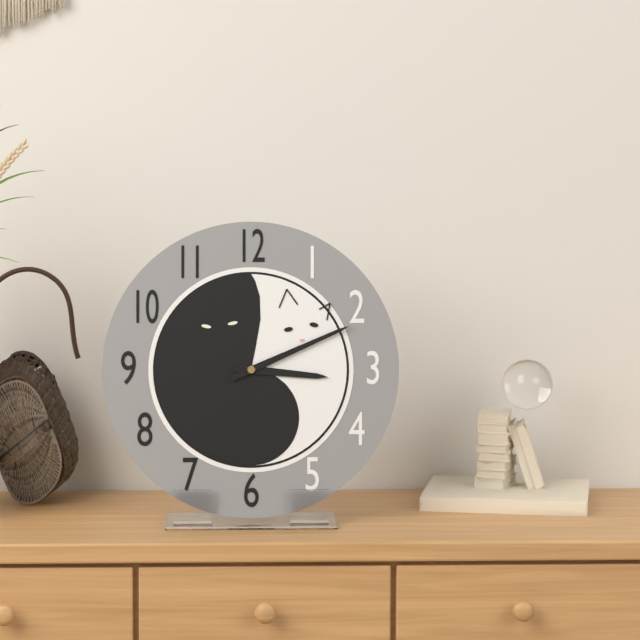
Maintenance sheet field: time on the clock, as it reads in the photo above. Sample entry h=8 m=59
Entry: h=3 m=11
